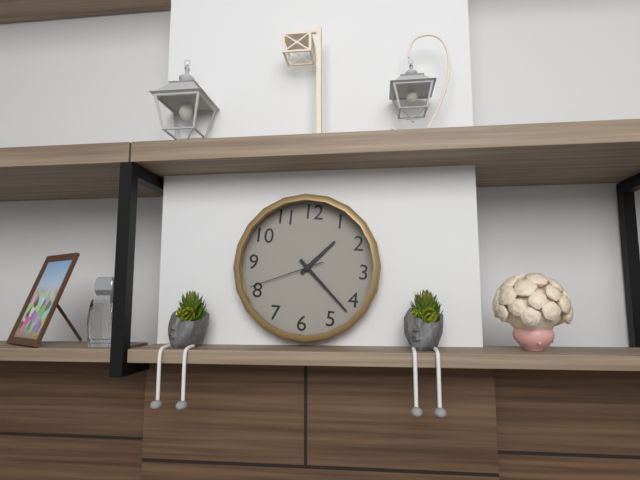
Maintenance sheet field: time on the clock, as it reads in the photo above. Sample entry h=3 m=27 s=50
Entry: h=1 m=22 s=41
